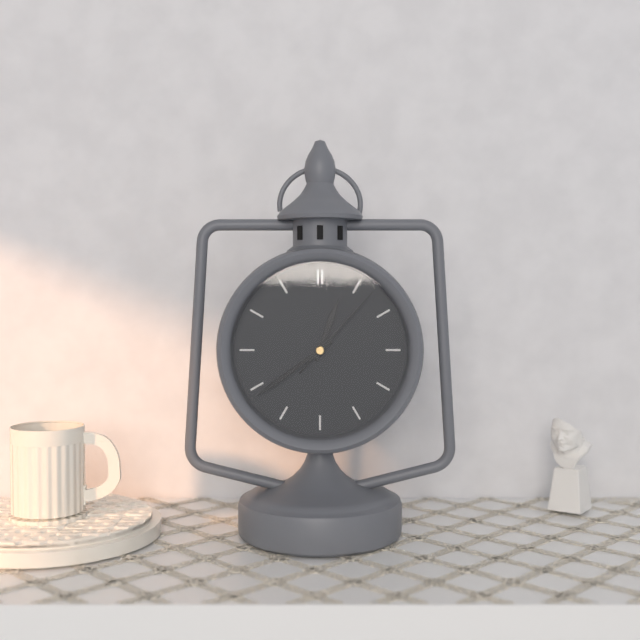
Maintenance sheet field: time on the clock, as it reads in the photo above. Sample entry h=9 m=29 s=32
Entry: h=12 m=39 s=7
